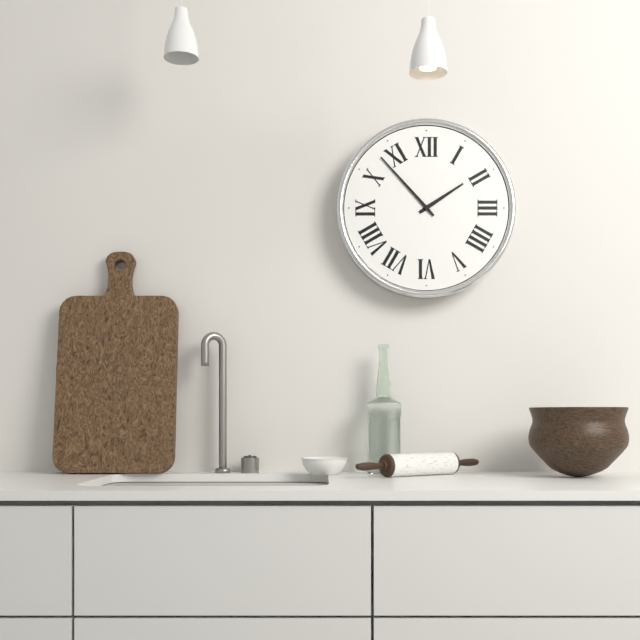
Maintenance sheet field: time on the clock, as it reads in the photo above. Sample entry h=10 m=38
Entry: h=1 m=53
